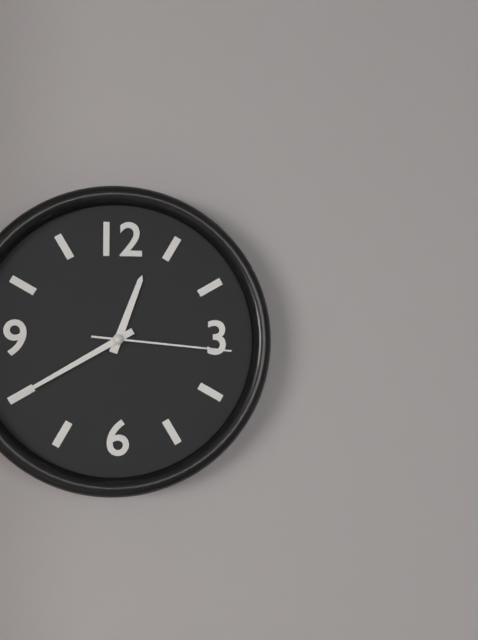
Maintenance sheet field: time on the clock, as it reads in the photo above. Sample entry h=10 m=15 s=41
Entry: h=12 m=40 s=16
